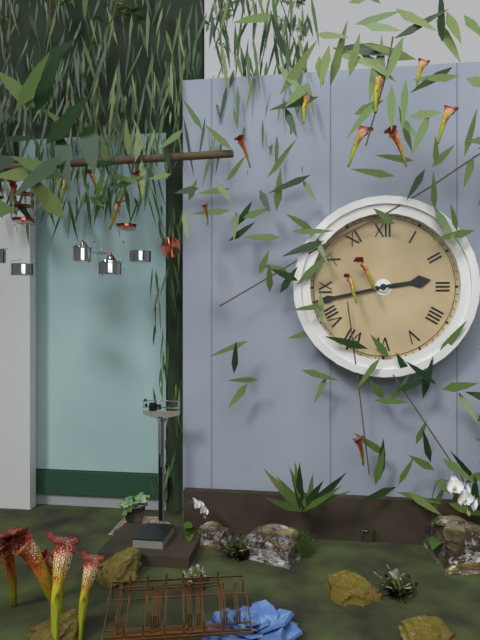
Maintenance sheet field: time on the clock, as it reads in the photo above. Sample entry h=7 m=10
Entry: h=2 m=43
